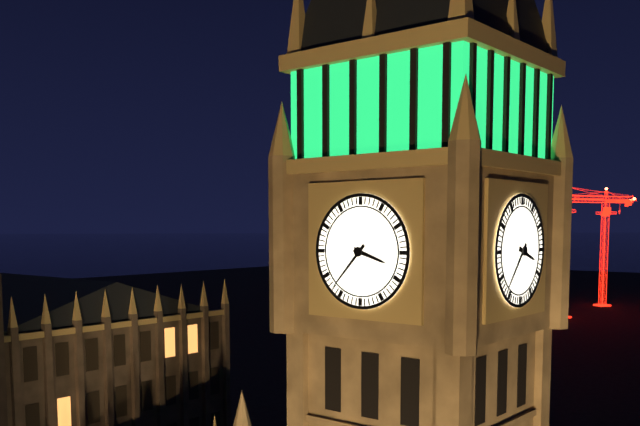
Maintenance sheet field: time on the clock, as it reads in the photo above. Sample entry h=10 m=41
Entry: h=3 m=37
